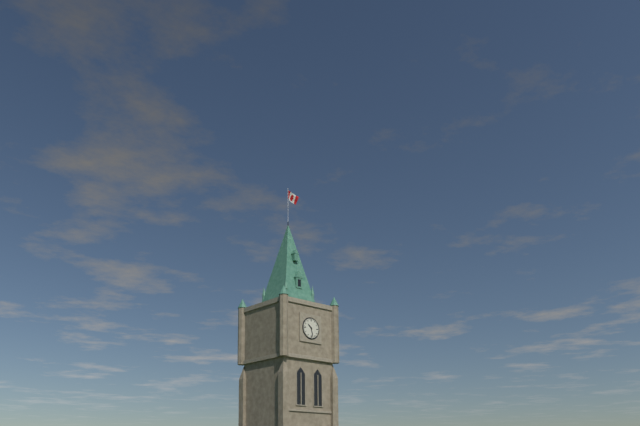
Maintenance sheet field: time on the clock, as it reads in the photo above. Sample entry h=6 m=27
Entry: h=10 m=28
